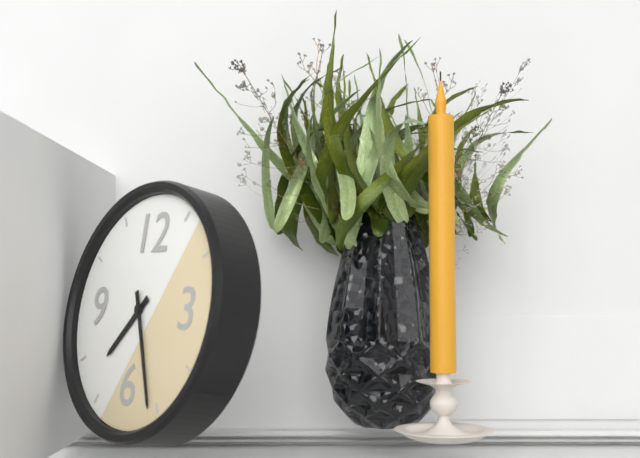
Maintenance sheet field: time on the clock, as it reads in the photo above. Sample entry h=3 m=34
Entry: h=7 m=26
